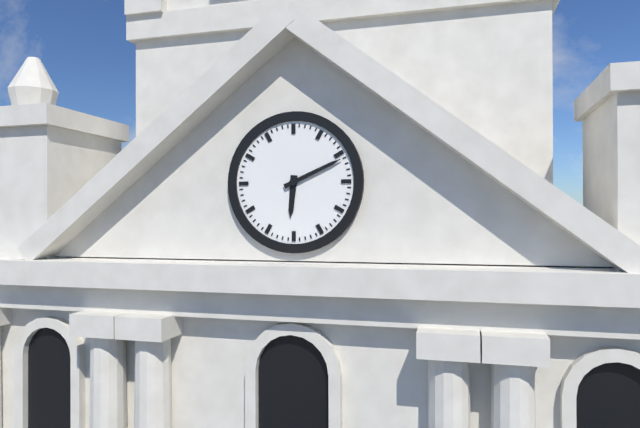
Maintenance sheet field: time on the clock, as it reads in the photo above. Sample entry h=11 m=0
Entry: h=6 m=11
